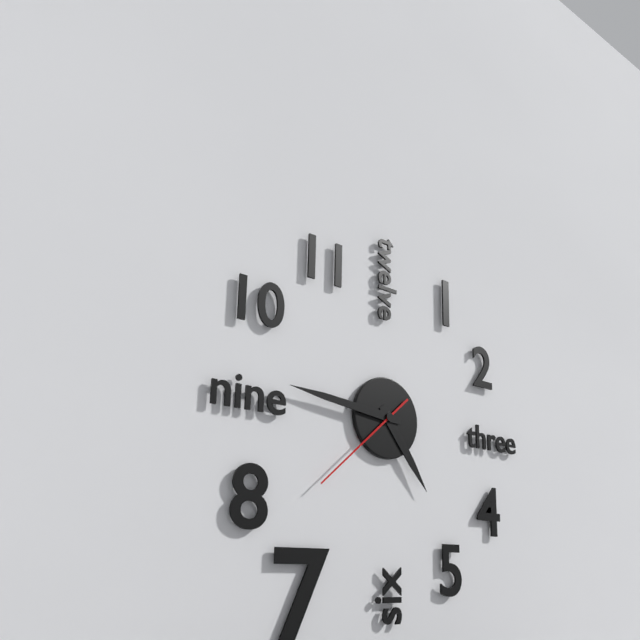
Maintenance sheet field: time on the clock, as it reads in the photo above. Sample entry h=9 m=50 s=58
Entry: h=4 m=46 s=38
